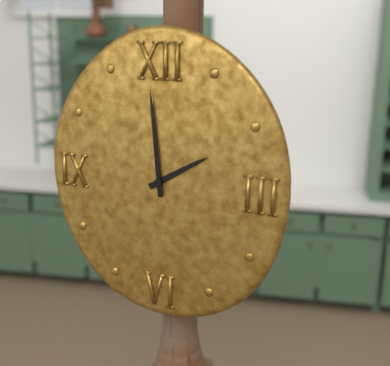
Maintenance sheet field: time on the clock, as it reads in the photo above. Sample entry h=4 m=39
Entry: h=1 m=59
